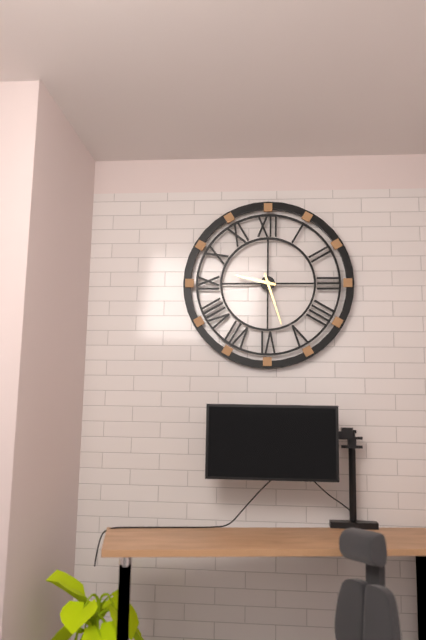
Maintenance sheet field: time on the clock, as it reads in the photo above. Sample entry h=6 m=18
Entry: h=9 m=27
